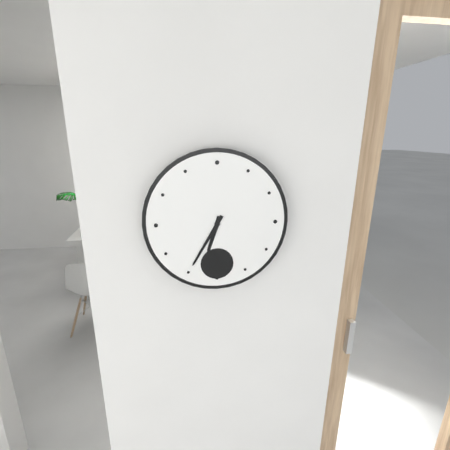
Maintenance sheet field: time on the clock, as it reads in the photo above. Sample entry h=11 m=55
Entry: h=6 m=35
